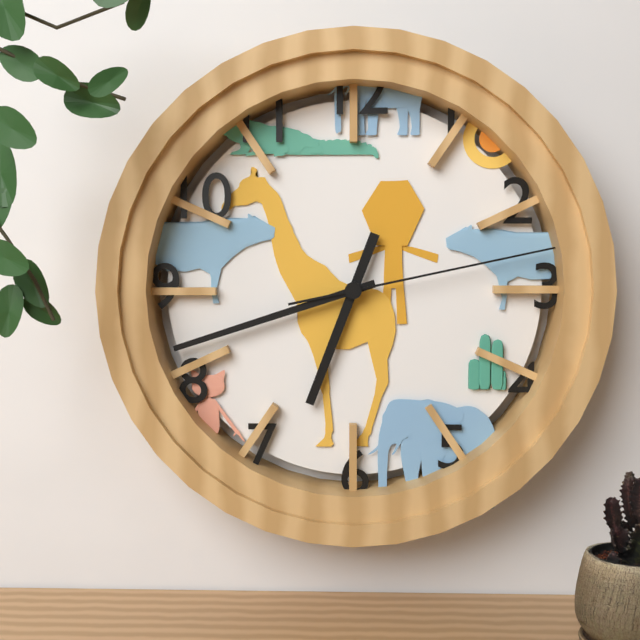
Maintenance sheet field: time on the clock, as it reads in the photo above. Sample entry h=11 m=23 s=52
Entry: h=6 m=42 s=13
